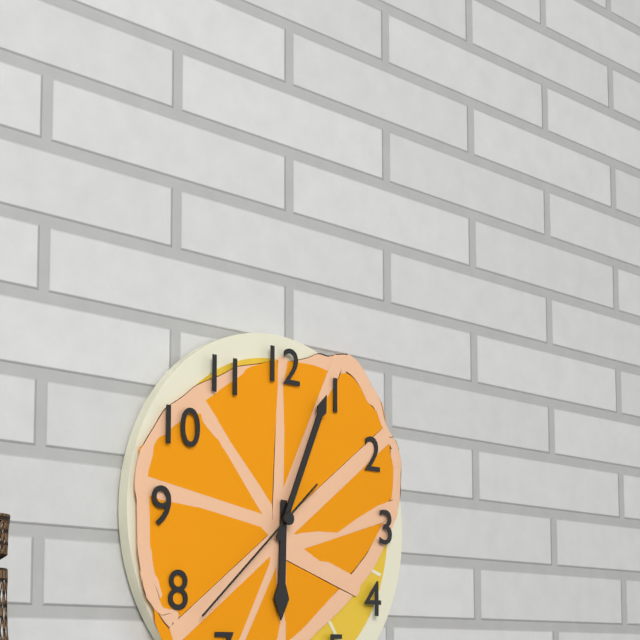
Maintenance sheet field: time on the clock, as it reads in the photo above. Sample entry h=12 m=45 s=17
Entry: h=6 m=4 s=38
